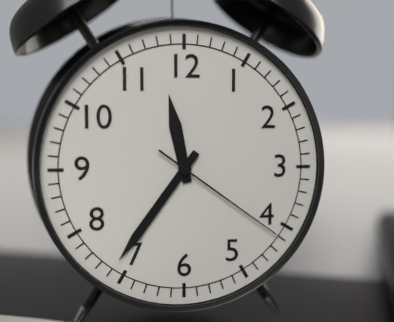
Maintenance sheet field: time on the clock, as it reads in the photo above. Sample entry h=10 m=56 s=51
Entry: h=11 m=36 s=21
